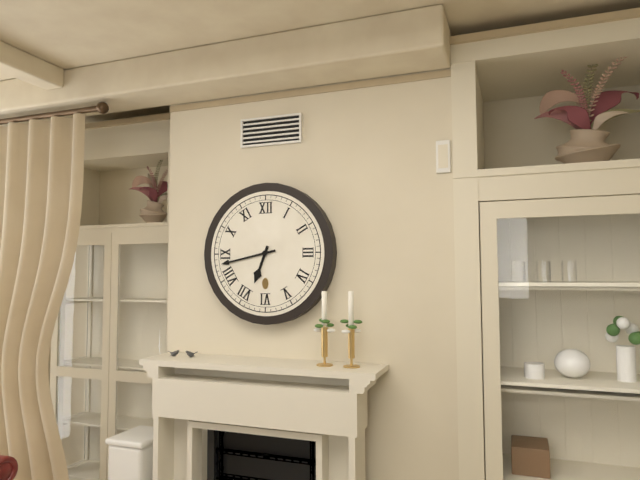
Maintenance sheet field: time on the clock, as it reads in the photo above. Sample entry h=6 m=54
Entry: h=6 m=43
